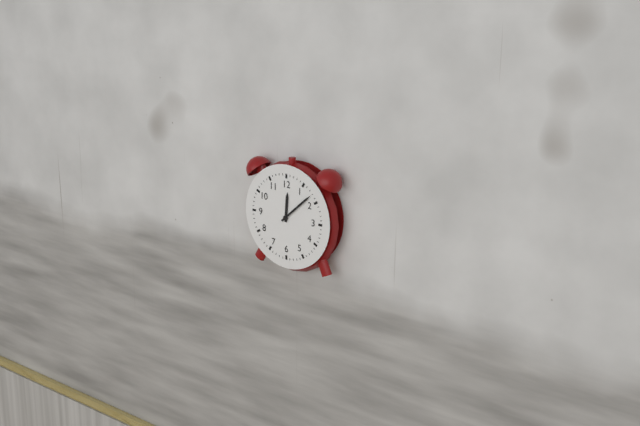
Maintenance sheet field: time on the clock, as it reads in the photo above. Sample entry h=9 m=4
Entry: h=12 m=8
